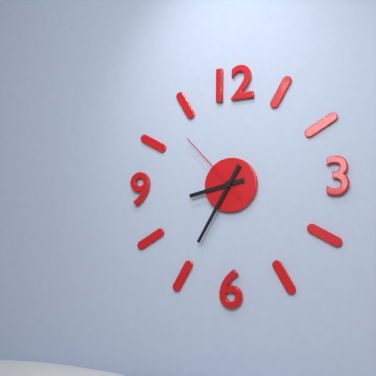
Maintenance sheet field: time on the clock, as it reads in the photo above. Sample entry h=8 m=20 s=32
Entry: h=8 m=35 s=53
